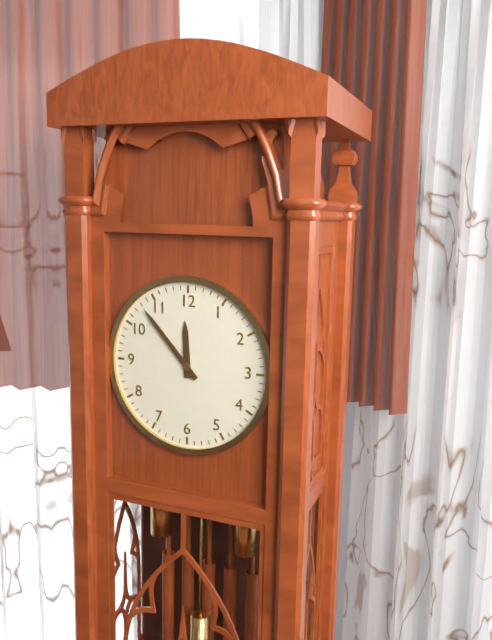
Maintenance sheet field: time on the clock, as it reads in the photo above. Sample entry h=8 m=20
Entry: h=11 m=53
